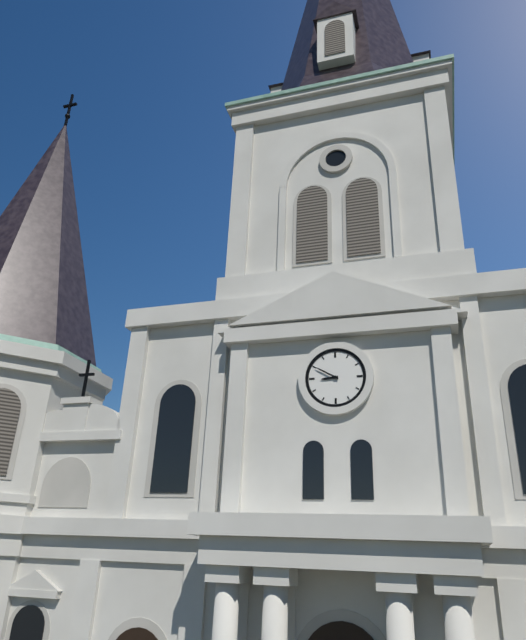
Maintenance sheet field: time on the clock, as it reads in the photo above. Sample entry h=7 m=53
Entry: h=8 m=50
